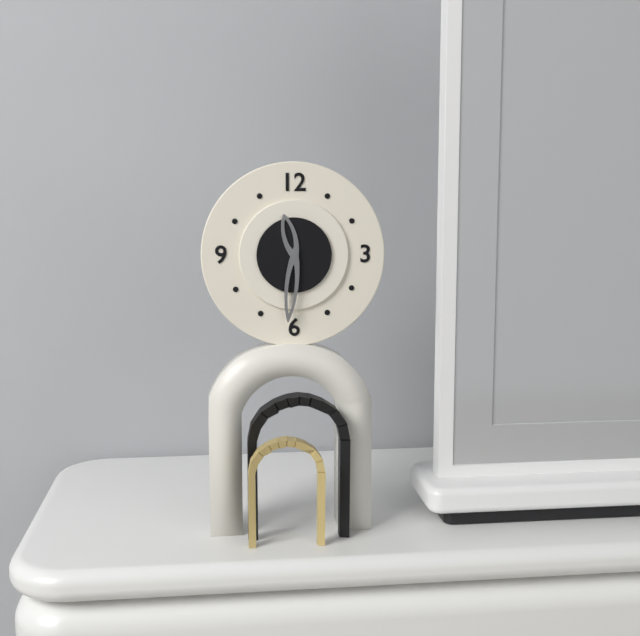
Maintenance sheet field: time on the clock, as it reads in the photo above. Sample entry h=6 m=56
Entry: h=11 m=31
